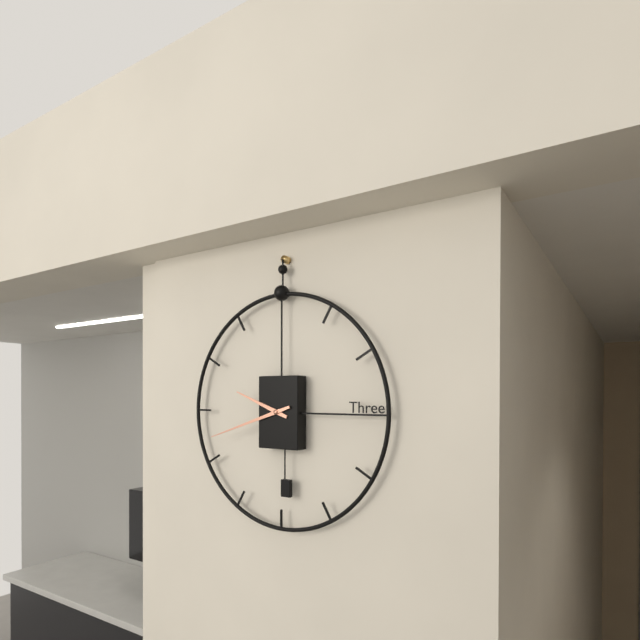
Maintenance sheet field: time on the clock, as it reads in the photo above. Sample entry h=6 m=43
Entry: h=9 m=42
